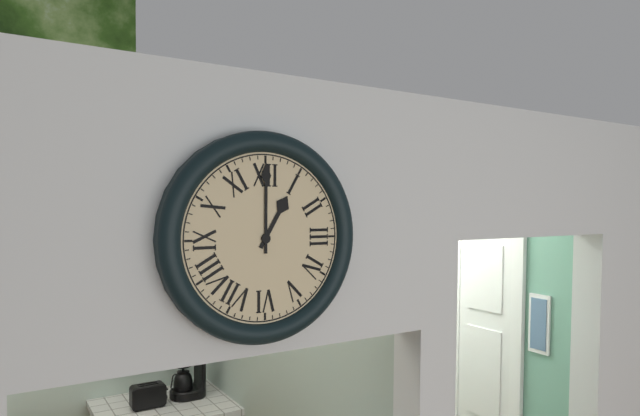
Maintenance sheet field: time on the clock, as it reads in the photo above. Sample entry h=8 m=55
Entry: h=1 m=0
